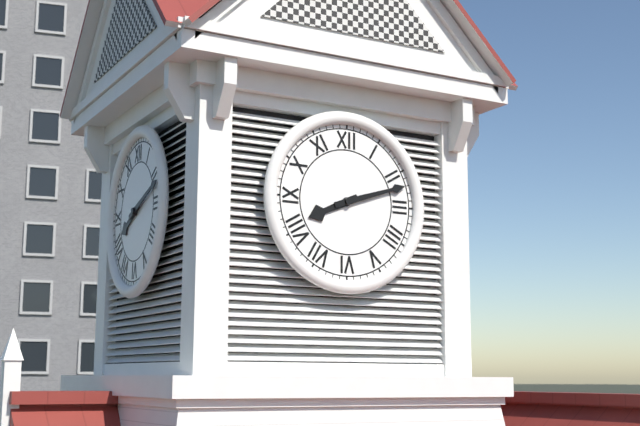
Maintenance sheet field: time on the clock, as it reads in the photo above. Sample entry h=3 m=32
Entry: h=8 m=12
